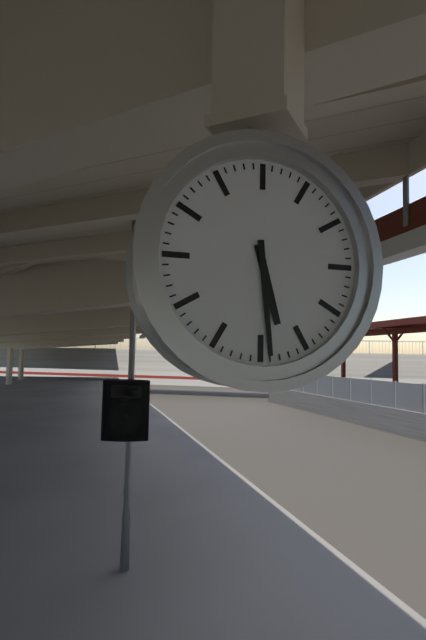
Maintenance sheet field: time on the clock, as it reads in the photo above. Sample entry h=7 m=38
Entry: h=5 m=29
